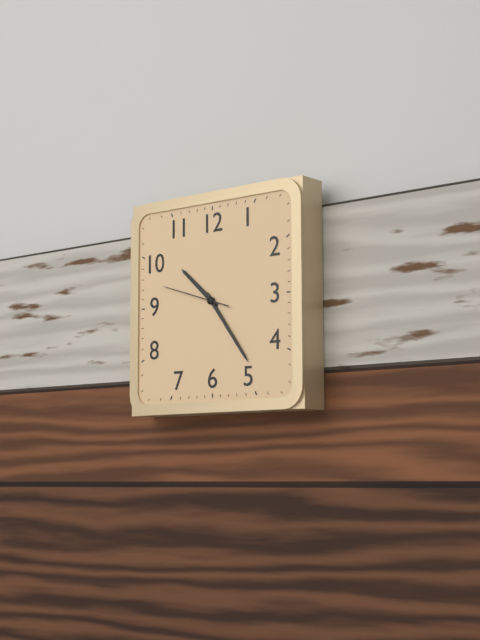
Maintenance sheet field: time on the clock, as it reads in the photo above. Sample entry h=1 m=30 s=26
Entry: h=10 m=24 s=48
